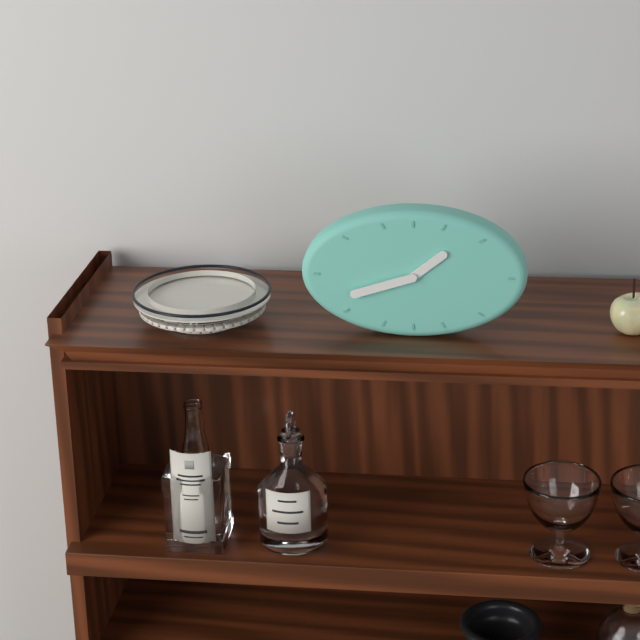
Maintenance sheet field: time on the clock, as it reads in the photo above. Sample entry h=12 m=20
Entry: h=1 m=42
